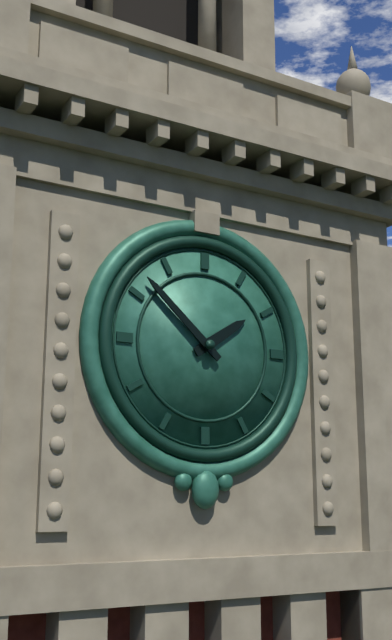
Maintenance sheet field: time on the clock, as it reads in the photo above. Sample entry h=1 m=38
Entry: h=1 m=52
